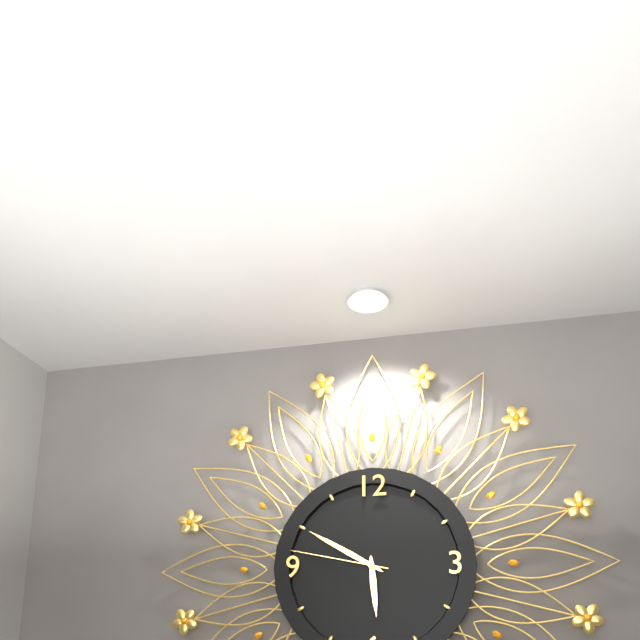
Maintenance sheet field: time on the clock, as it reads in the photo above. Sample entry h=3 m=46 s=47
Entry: h=5 m=50 s=47
